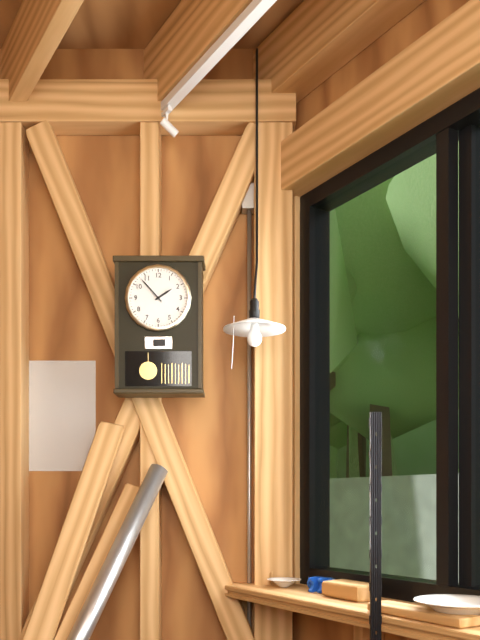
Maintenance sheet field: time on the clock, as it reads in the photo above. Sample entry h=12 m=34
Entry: h=1 m=53
